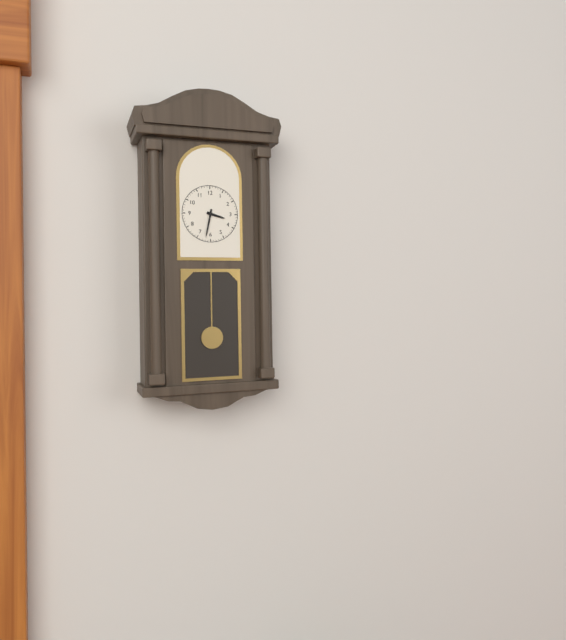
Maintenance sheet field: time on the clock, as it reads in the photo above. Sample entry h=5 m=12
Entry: h=3 m=32
